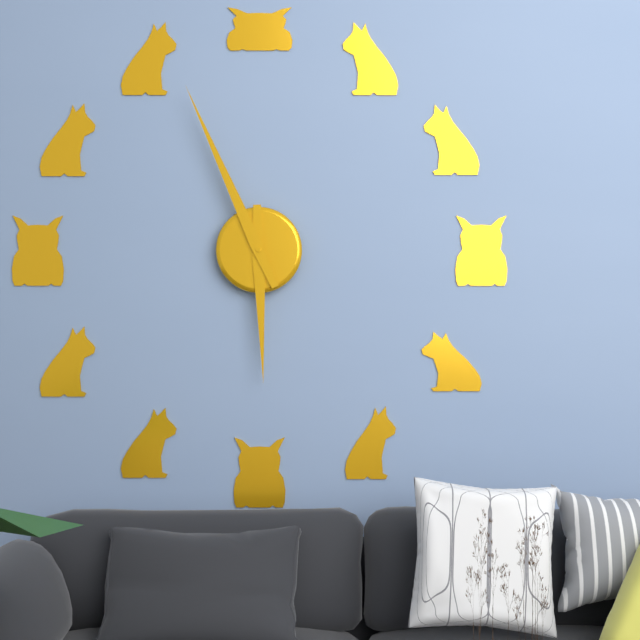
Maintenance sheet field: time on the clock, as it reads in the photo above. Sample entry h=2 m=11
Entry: h=5 m=56
